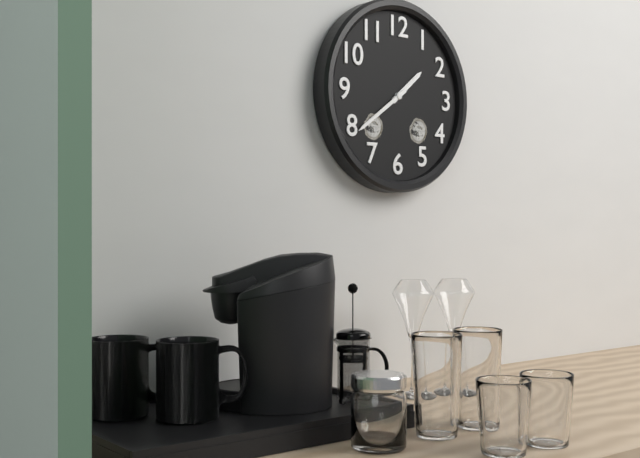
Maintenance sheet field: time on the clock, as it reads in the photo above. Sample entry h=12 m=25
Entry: h=1 m=39
